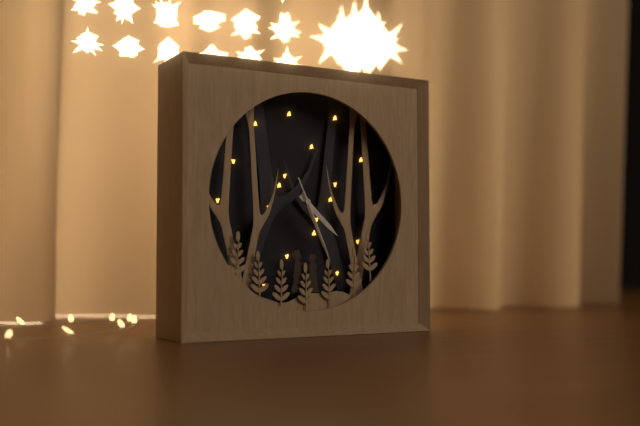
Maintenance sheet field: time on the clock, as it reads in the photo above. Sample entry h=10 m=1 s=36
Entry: h=4 m=26 s=26
